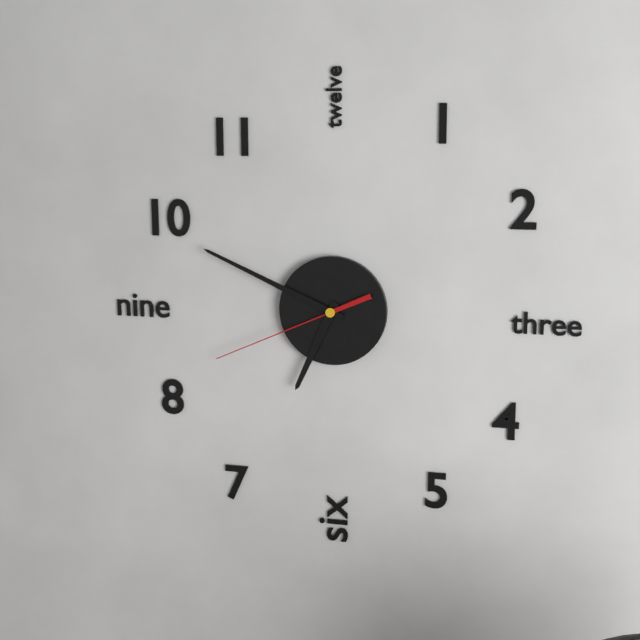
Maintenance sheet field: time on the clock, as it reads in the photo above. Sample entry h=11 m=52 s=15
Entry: h=6 m=49 s=41
